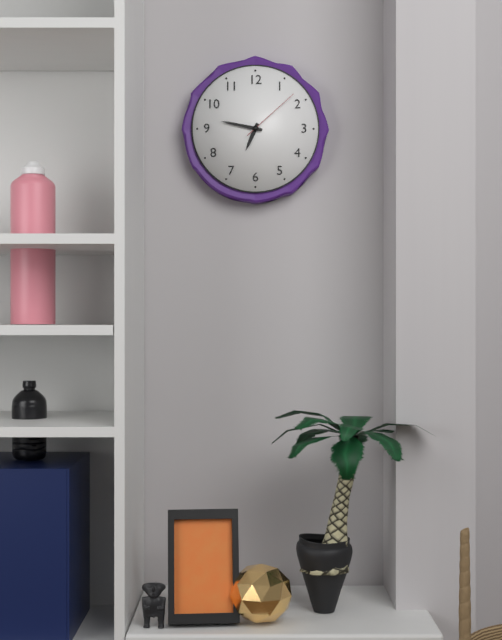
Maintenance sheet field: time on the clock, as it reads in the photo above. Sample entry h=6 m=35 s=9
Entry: h=6 m=47 s=8
